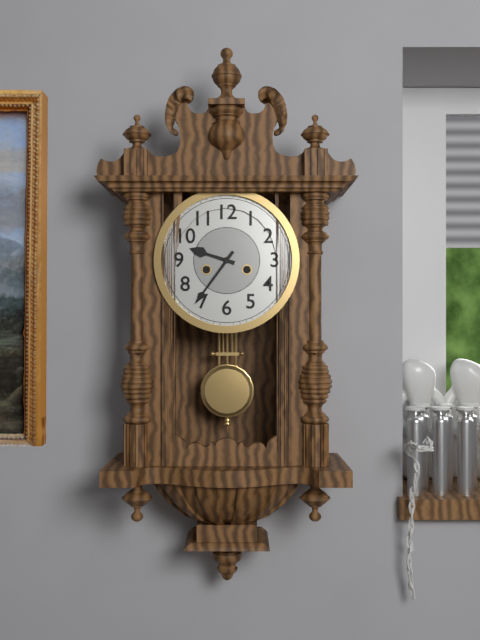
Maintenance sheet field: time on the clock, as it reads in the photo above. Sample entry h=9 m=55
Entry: h=9 m=36
